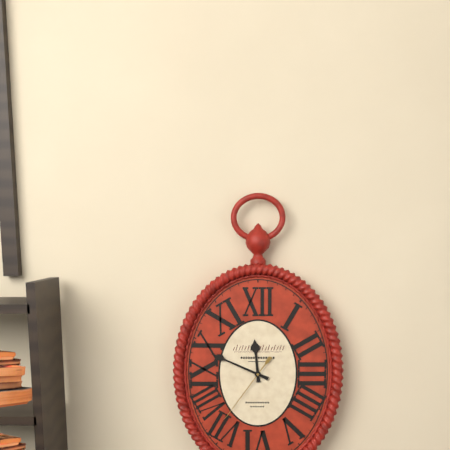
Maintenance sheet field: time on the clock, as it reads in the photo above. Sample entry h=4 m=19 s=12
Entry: h=11 m=49 s=36
